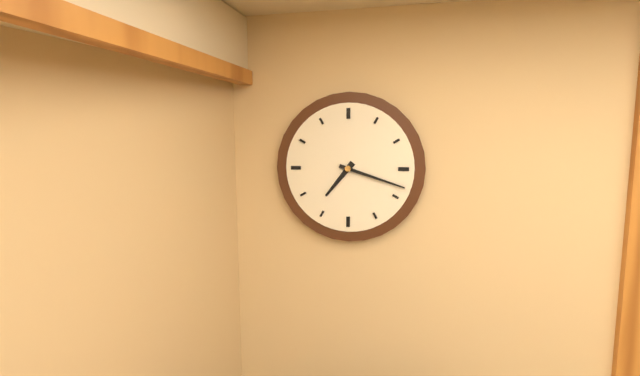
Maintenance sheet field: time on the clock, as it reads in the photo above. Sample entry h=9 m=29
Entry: h=7 m=18
